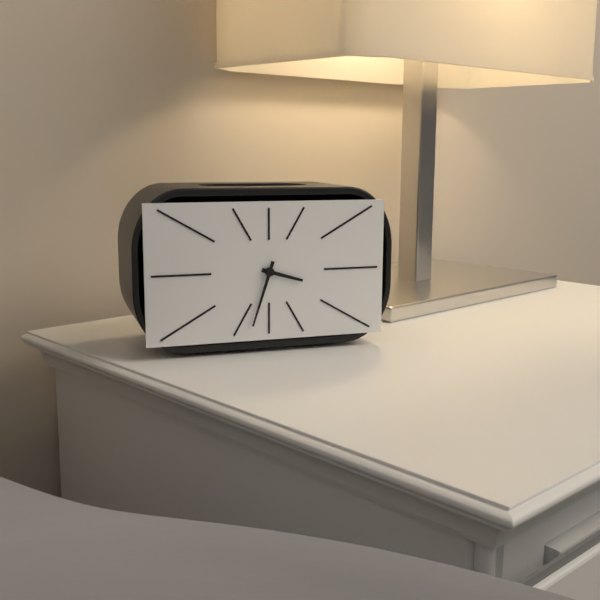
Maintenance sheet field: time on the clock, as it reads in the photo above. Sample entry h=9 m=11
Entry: h=3 m=33
